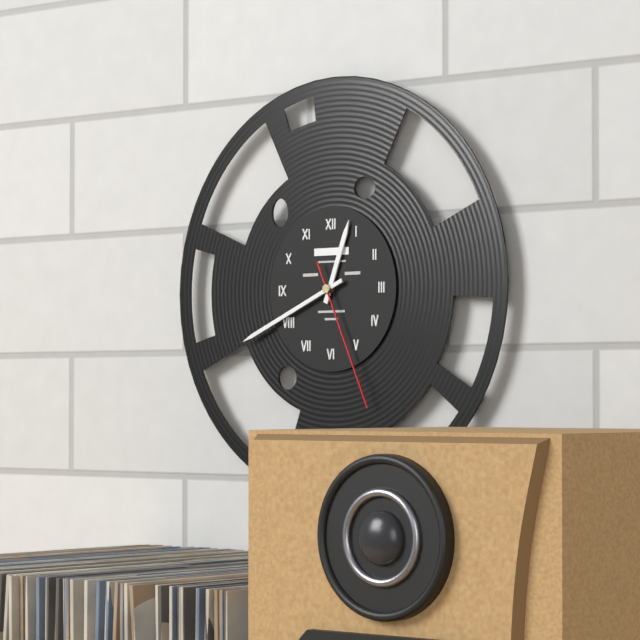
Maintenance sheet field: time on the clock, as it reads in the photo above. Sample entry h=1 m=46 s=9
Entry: h=12 m=41 s=26
